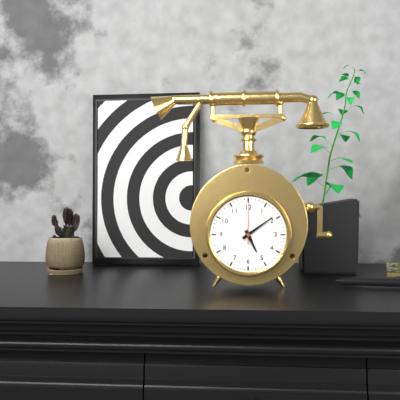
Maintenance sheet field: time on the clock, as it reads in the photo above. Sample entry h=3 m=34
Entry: h=5 m=9
